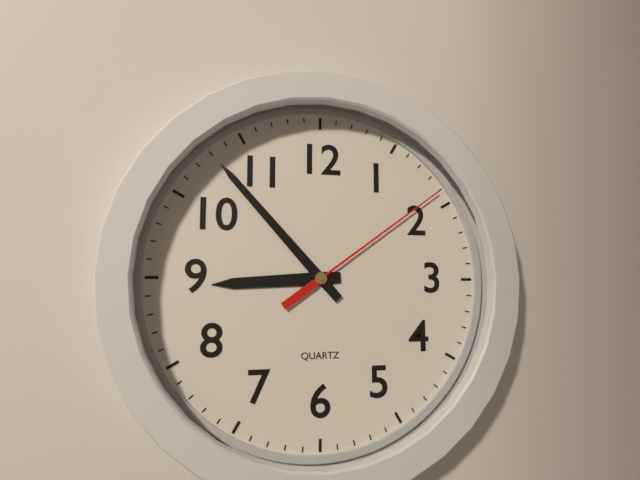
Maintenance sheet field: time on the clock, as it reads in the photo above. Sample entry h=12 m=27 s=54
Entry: h=8 m=53 s=9
